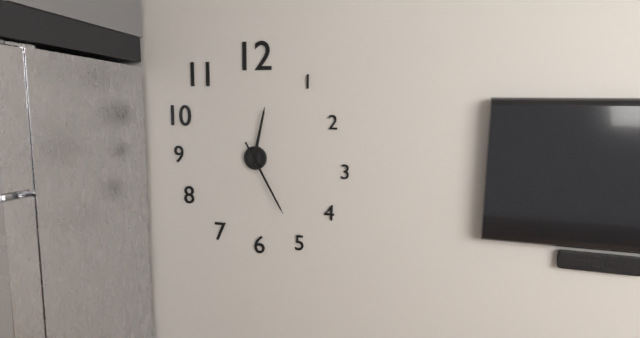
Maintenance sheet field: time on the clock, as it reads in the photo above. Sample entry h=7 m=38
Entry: h=12 m=25
